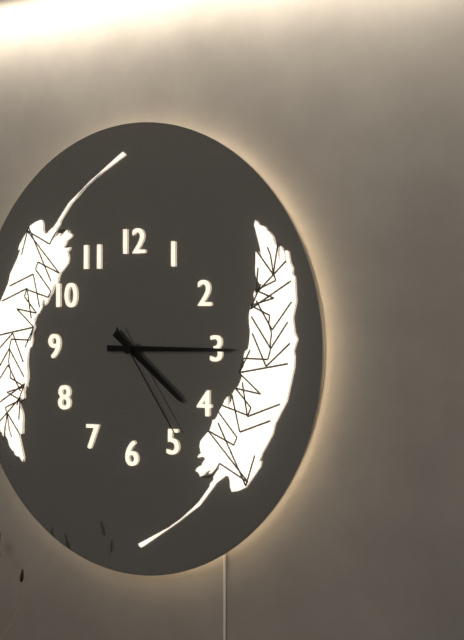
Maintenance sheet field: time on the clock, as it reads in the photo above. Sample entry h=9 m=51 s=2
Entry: h=4 m=15 s=24
